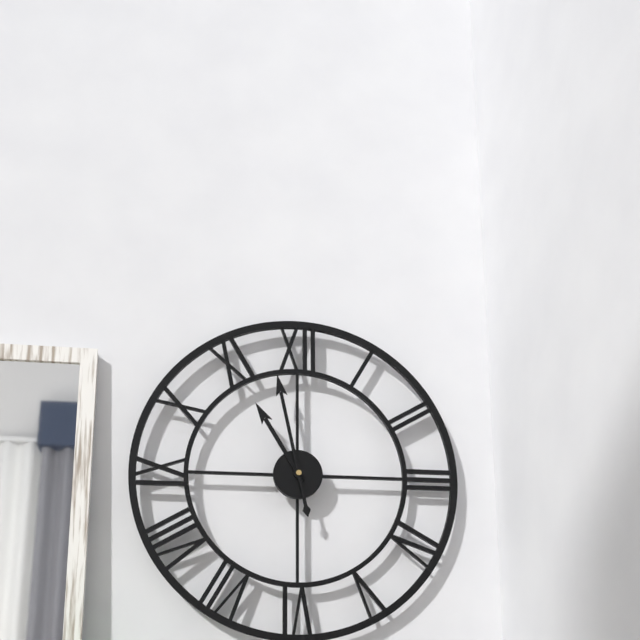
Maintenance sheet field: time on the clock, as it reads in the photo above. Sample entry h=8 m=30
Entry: h=10 m=58
